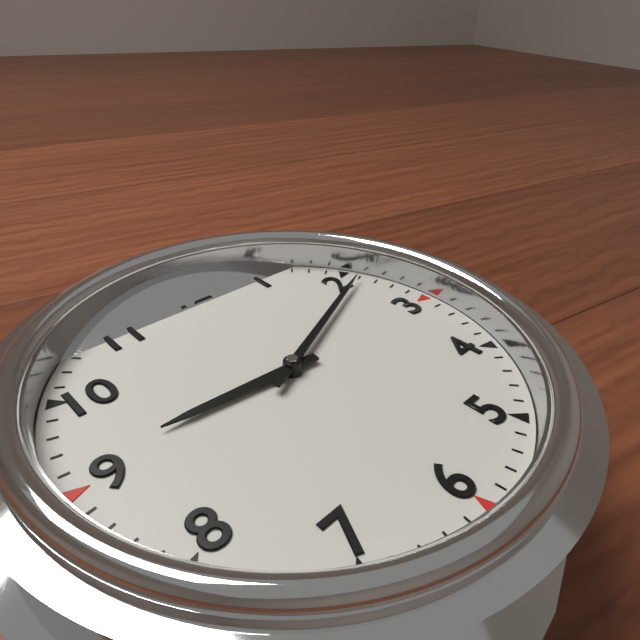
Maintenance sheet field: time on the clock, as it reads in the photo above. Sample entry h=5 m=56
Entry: h=9 m=11
